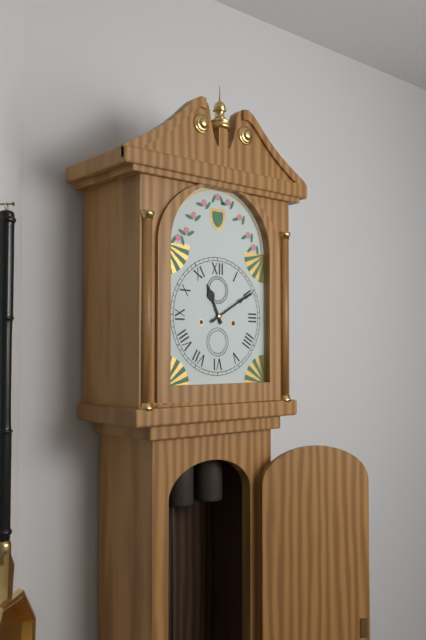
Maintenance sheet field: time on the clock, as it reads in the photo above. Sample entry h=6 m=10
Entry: h=11 m=10
